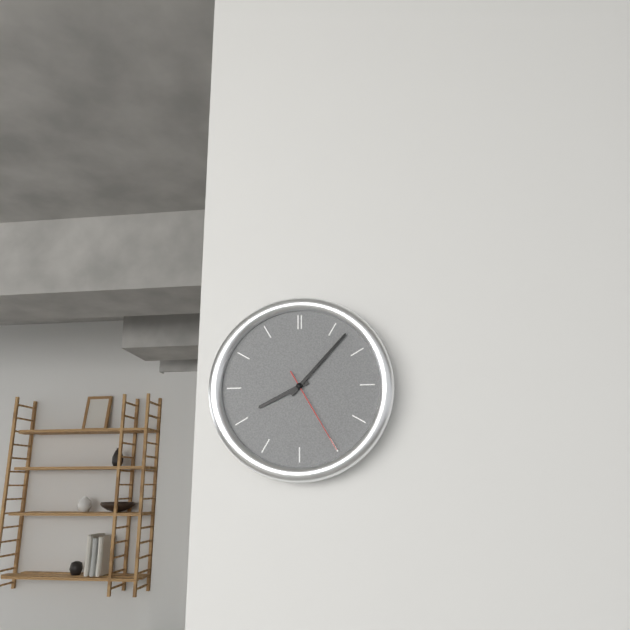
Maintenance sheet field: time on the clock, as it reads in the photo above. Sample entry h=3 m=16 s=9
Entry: h=8 m=7 s=25
